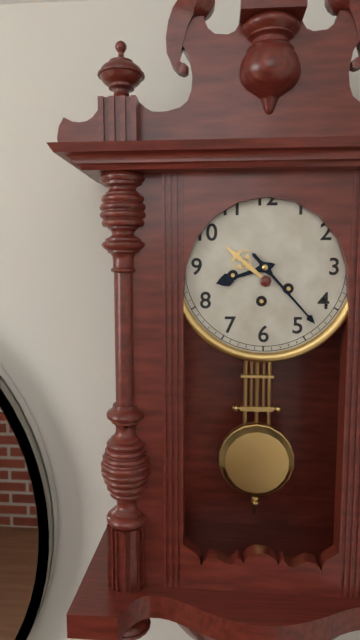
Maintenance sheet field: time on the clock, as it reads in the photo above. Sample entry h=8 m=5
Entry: h=8 m=23
